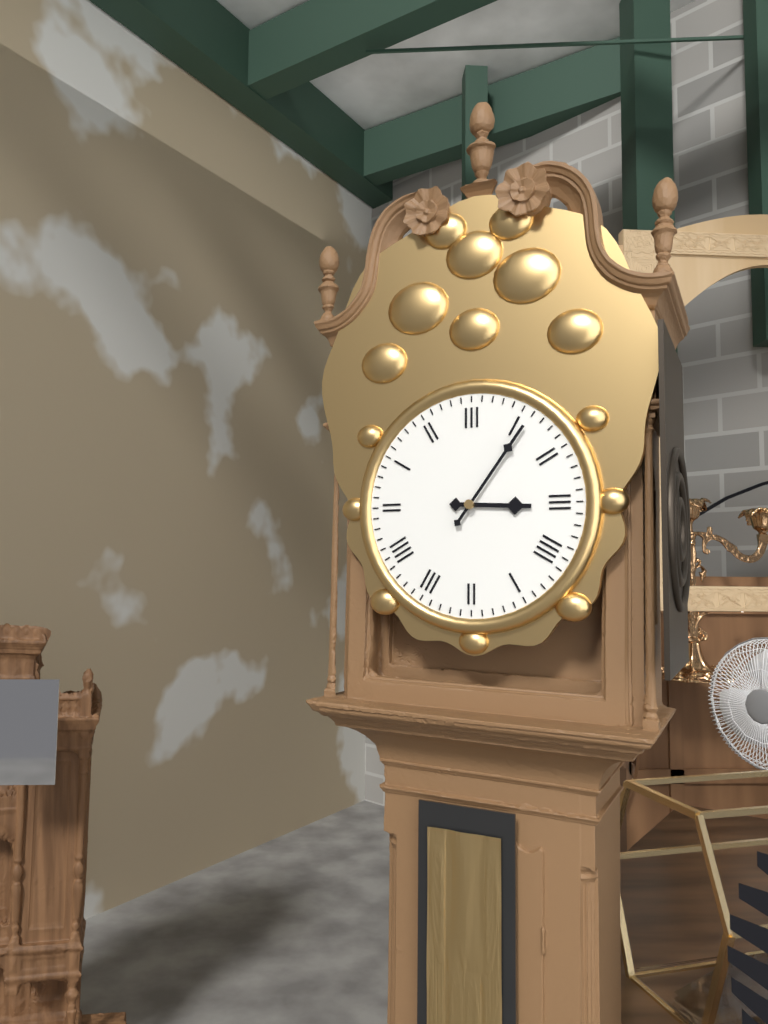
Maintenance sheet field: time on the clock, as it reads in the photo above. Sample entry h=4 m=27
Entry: h=3 m=6
